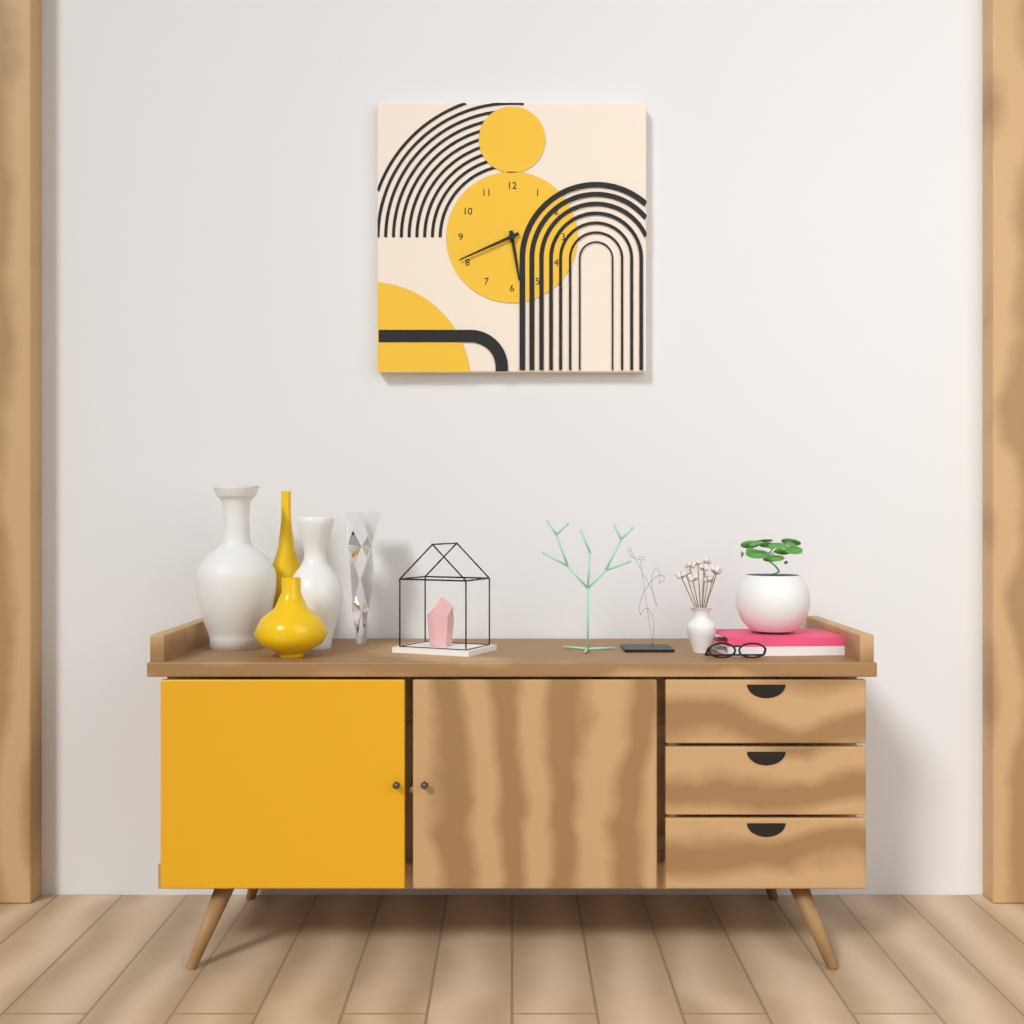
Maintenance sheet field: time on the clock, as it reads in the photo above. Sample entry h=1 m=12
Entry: h=5 m=41
